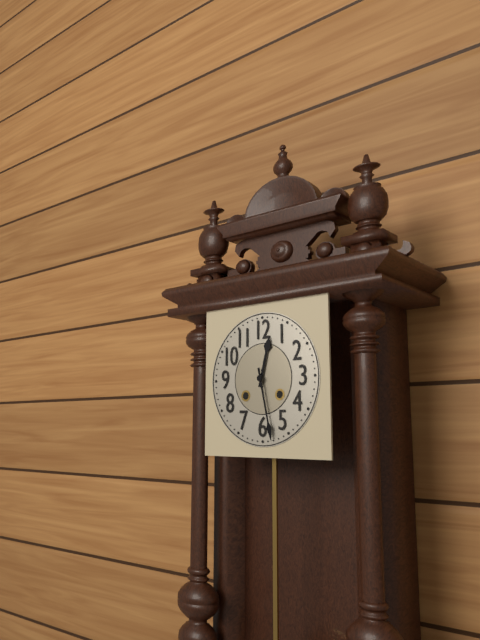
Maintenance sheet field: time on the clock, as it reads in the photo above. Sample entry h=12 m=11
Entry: h=12 m=28
